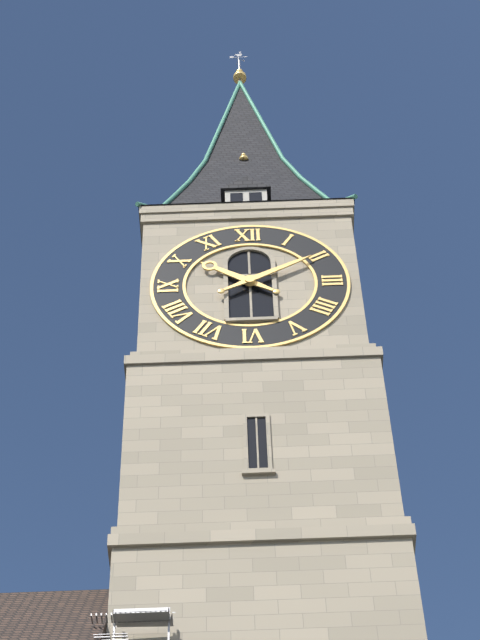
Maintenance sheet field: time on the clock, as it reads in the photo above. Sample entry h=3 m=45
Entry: h=10 m=10
